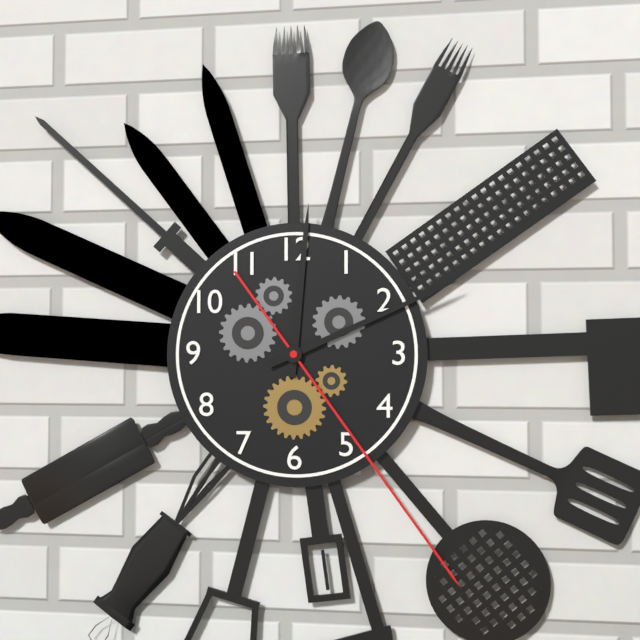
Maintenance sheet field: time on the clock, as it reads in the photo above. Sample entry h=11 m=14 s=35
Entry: h=12 m=11 s=24
